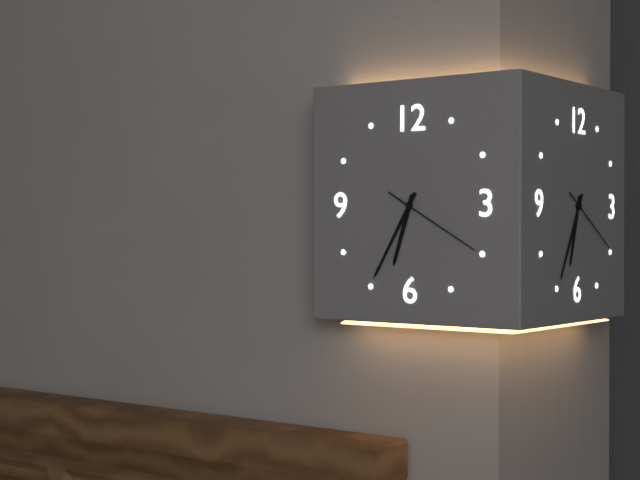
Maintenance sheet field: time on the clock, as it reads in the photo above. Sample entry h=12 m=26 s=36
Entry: h=6 m=35 s=20
